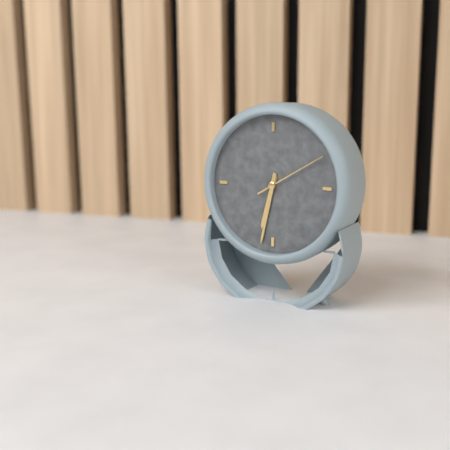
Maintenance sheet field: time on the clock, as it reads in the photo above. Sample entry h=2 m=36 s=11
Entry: h=6 m=32 s=10
